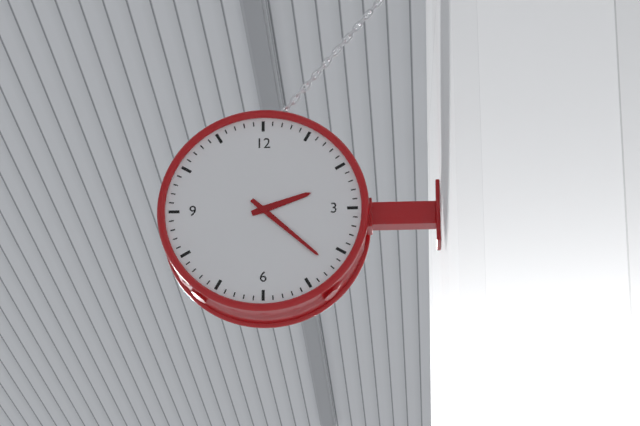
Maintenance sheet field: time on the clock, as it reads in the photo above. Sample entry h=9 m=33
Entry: h=2 m=22
